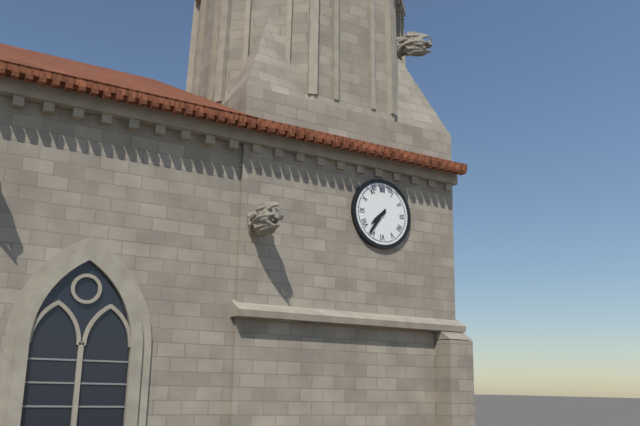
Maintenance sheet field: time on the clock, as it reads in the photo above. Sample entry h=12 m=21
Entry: h=7 m=36
